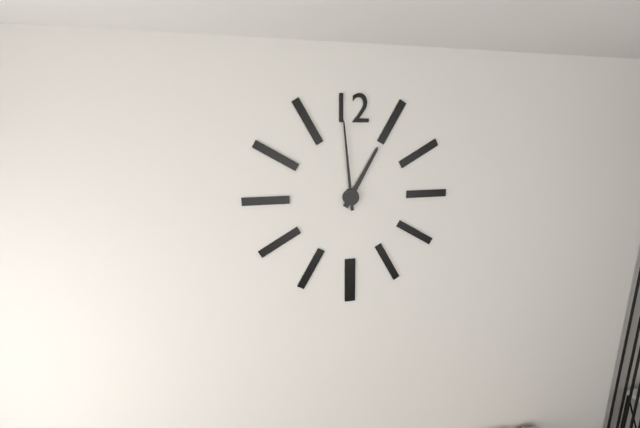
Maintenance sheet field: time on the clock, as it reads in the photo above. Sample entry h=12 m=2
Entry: h=12 m=59
